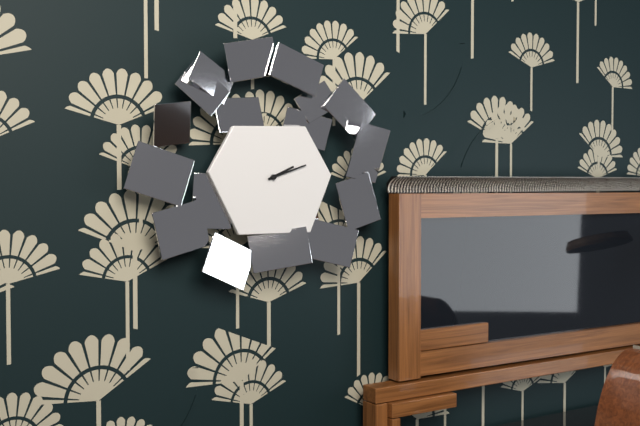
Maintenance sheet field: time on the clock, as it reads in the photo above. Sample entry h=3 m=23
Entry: h=2 m=12
